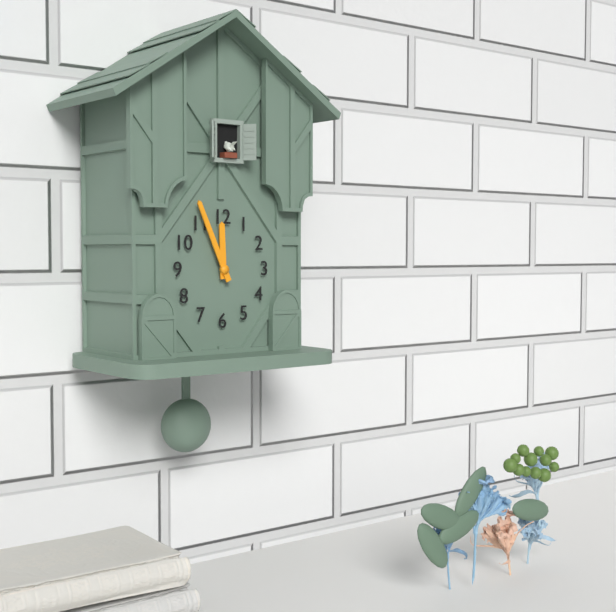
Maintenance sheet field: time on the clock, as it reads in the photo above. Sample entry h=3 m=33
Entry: h=11 m=56
